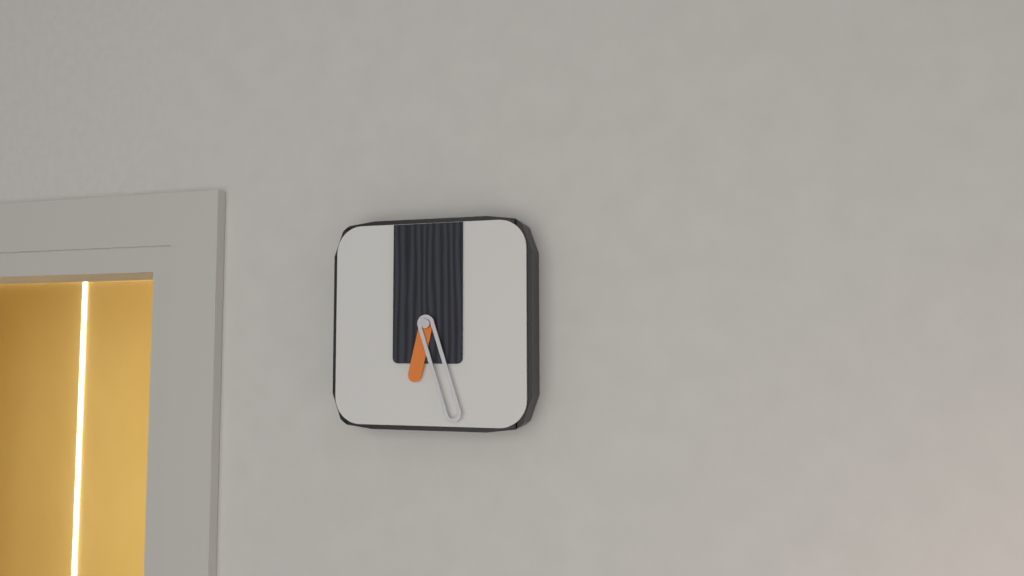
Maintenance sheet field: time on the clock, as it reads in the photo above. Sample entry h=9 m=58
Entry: h=6 m=27
